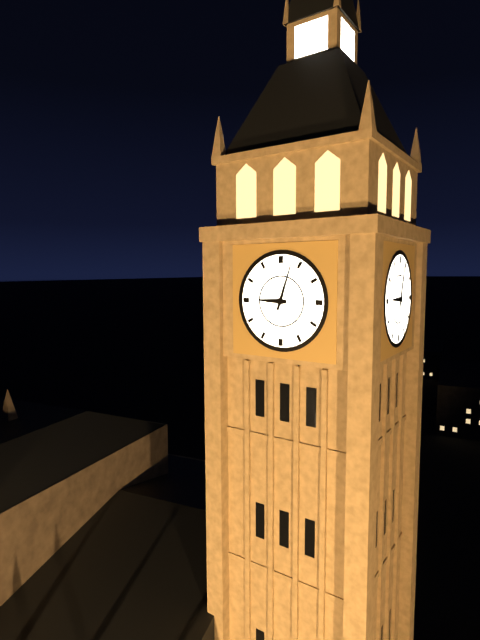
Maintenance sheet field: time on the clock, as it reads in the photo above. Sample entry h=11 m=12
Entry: h=9 m=3
